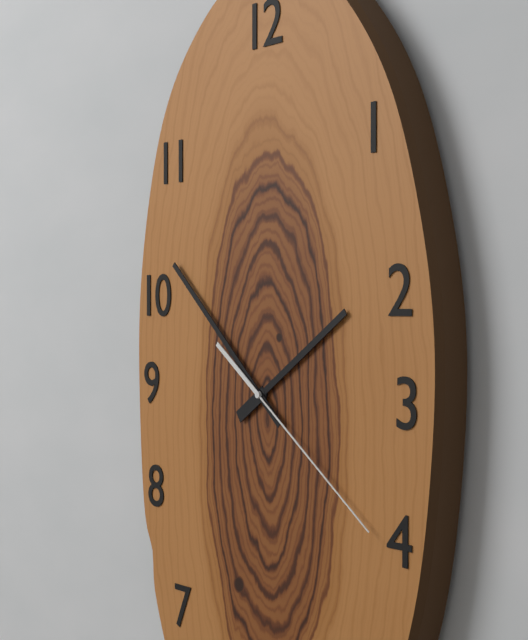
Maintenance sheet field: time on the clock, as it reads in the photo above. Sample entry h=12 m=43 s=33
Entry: h=1 m=52 s=21
